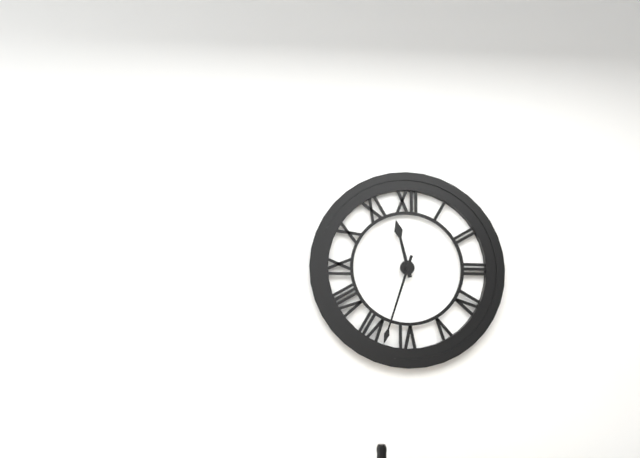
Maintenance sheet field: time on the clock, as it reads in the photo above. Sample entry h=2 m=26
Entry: h=11 m=33
